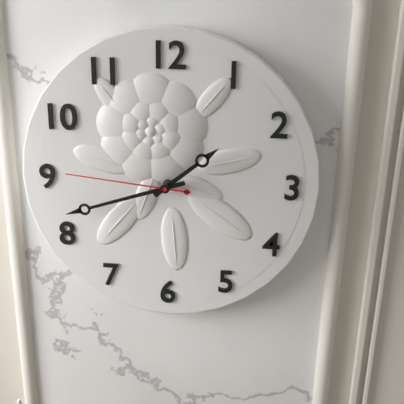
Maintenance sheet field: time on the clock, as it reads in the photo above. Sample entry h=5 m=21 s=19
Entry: h=1 m=42 s=46
